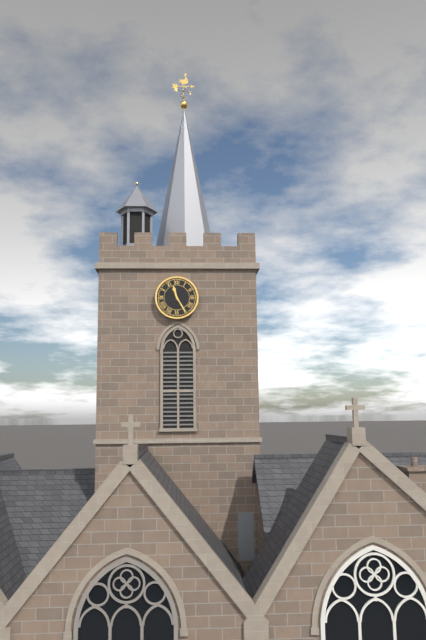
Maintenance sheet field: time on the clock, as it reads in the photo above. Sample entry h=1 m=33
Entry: h=11 m=25
